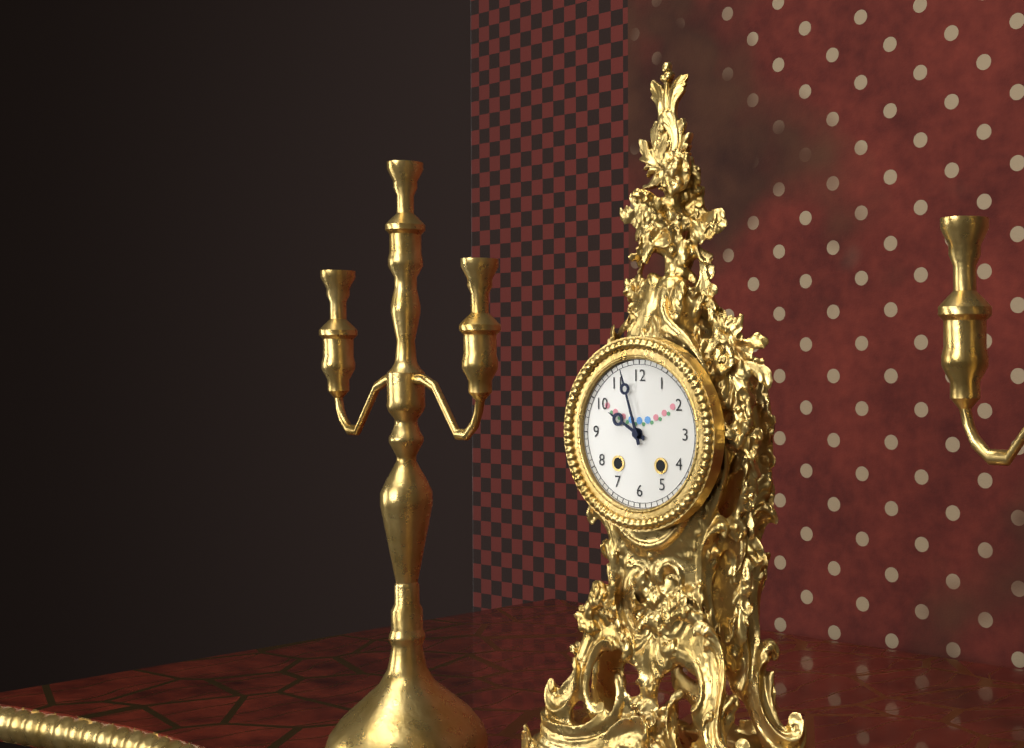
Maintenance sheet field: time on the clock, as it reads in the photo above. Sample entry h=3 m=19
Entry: h=9 m=57
